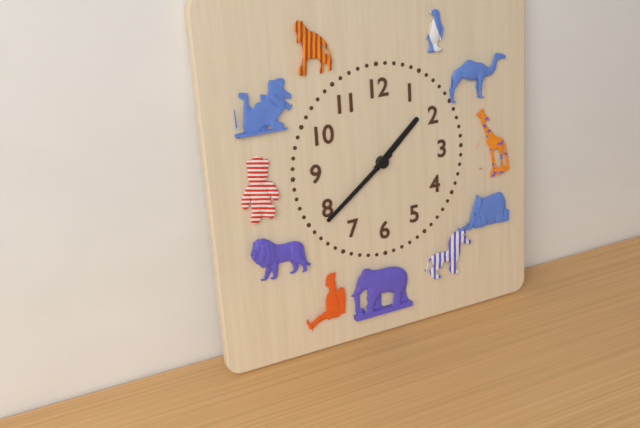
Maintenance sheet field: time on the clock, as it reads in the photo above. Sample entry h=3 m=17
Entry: h=1 m=39
